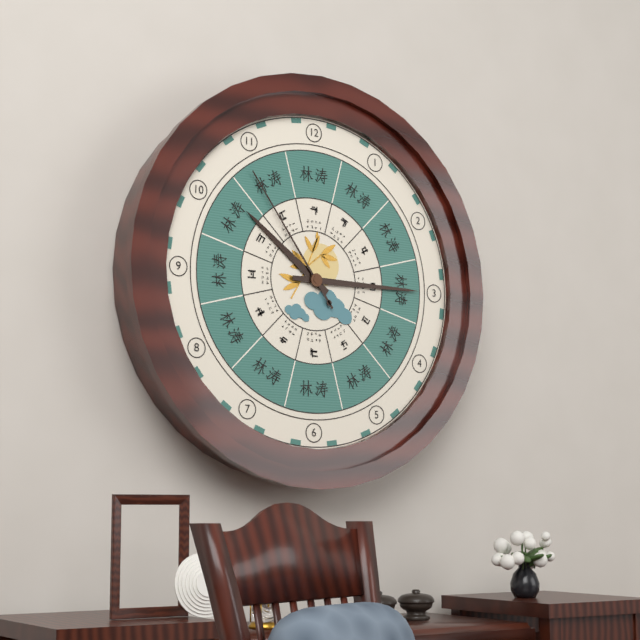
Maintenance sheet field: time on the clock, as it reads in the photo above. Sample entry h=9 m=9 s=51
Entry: h=10 m=15 s=54
